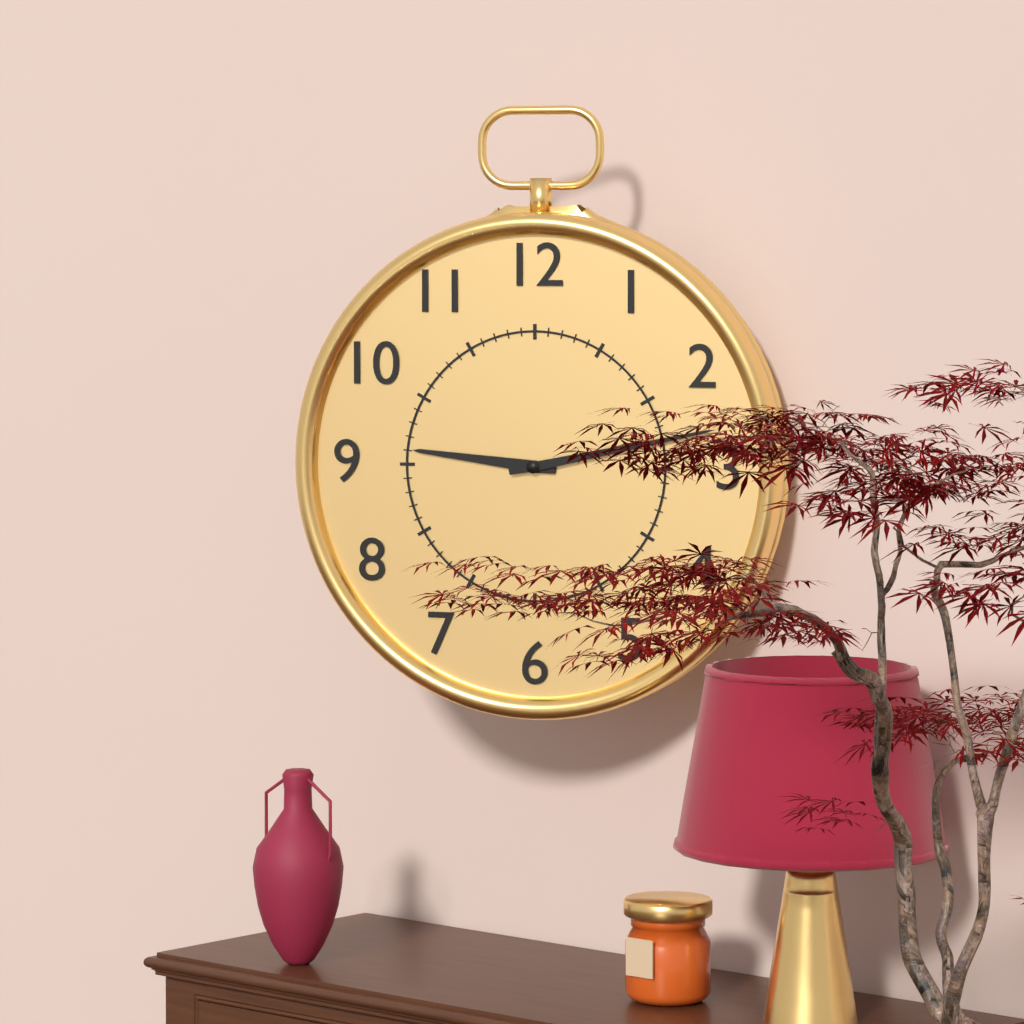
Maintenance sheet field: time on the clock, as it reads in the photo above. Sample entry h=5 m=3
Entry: h=9 m=13
